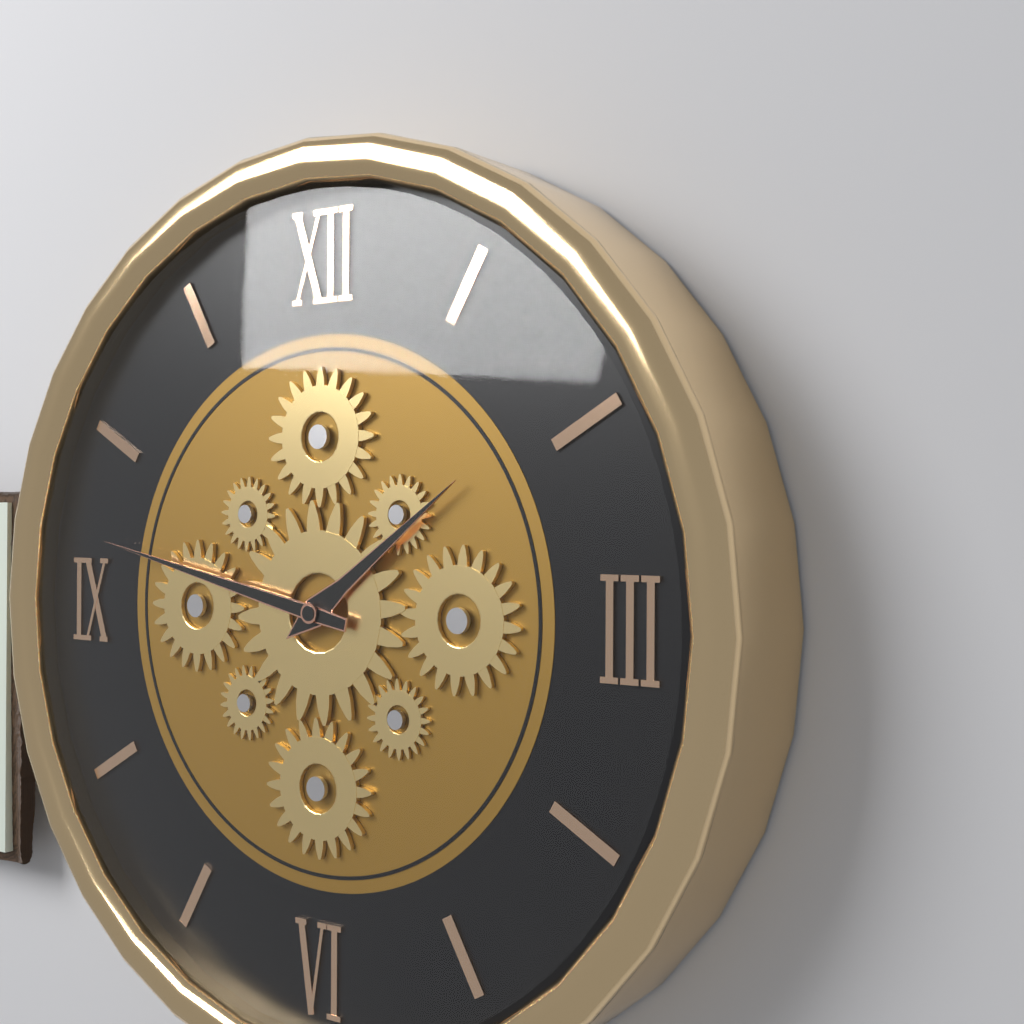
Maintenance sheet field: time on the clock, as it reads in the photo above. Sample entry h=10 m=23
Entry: h=1 m=47
